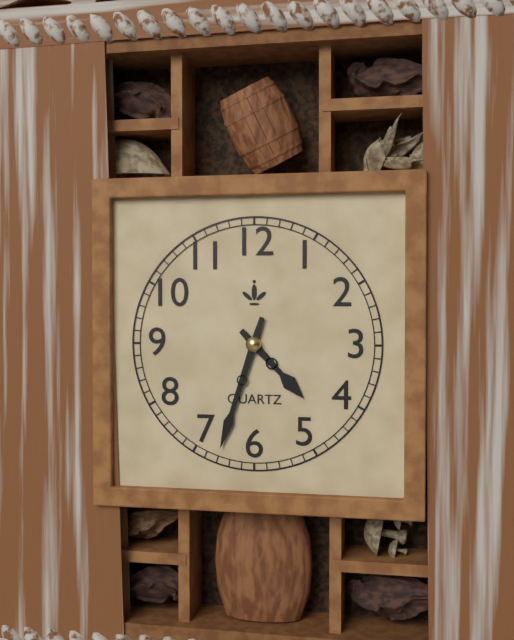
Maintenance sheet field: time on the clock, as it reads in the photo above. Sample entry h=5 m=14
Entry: h=4 m=33
